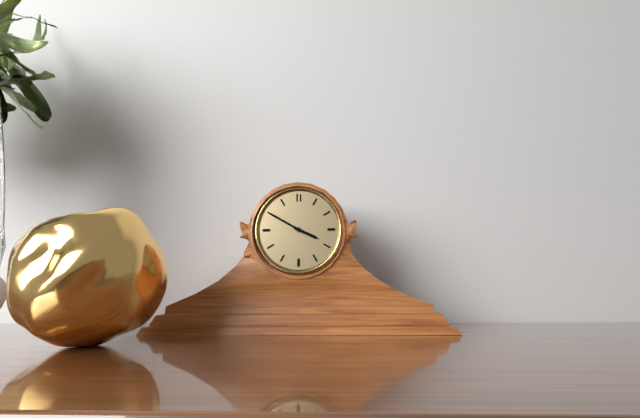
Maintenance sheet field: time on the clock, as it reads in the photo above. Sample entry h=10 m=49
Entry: h=3 m=50
